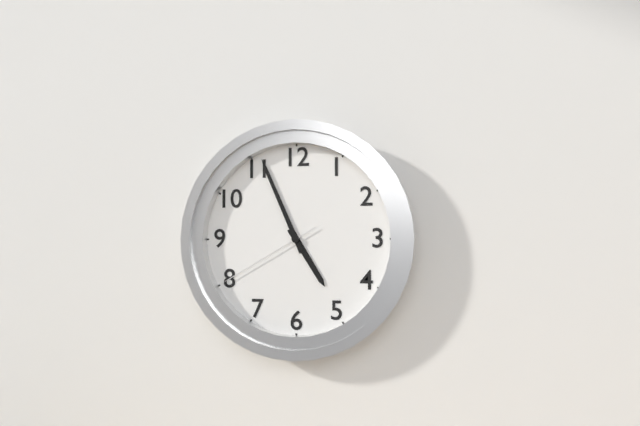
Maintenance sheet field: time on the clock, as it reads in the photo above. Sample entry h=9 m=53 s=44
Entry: h=4 m=56 s=40
